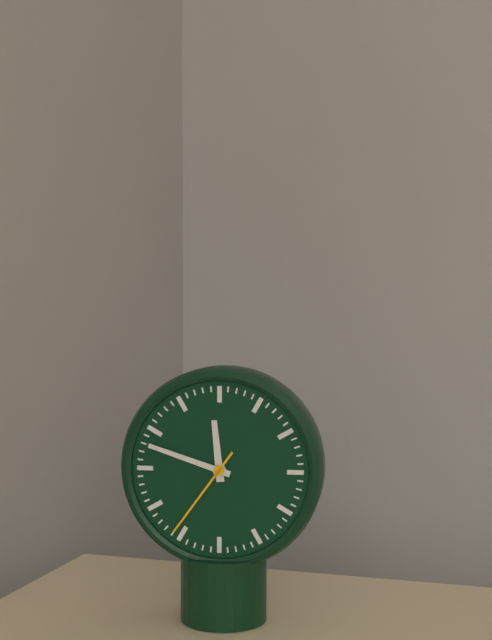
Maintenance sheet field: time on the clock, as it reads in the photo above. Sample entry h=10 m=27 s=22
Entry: h=11 m=48 s=36
